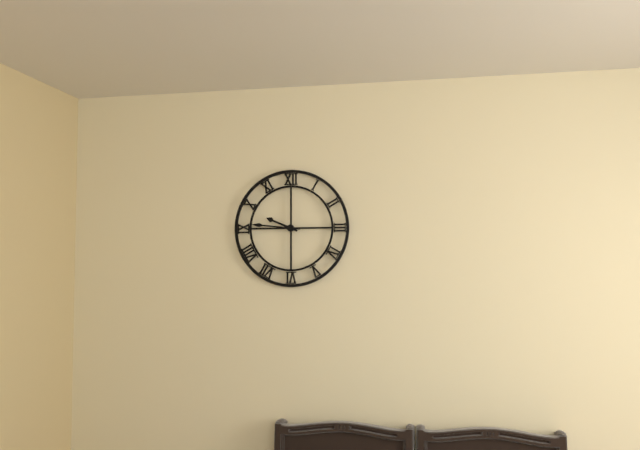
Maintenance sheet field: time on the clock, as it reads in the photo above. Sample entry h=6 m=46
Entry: h=9 m=46
